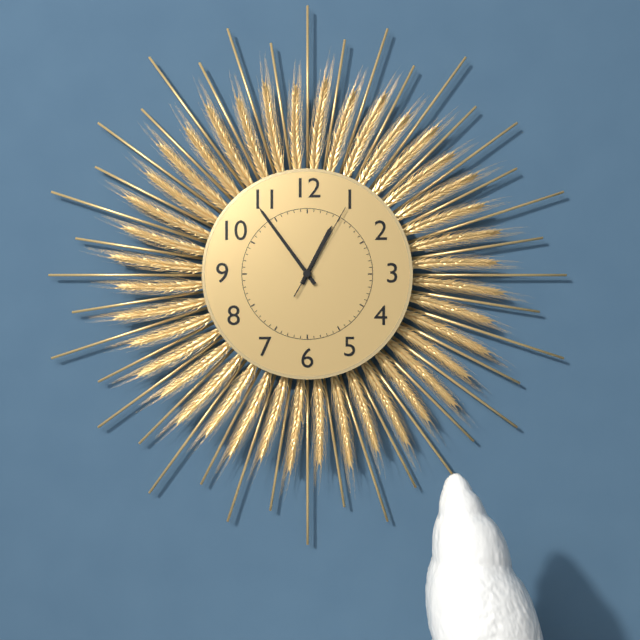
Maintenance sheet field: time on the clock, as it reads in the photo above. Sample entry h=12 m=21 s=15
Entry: h=12 m=54 s=5
